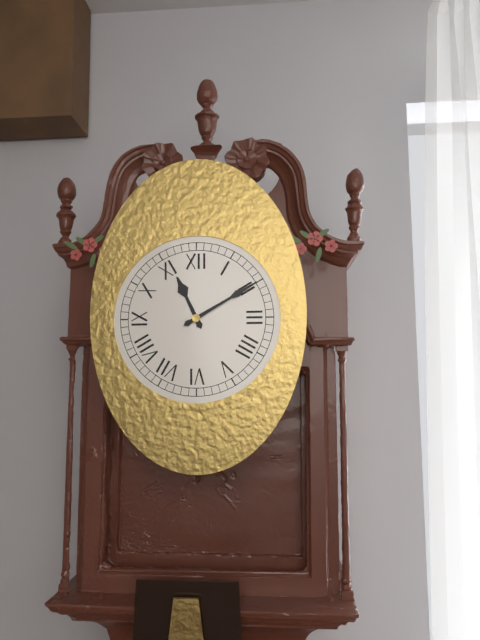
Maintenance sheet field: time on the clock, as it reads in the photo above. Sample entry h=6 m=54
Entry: h=11 m=10
